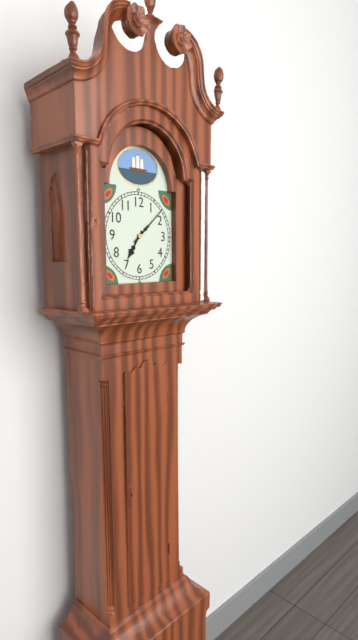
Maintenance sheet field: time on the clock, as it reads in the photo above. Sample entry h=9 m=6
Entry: h=7 m=8
